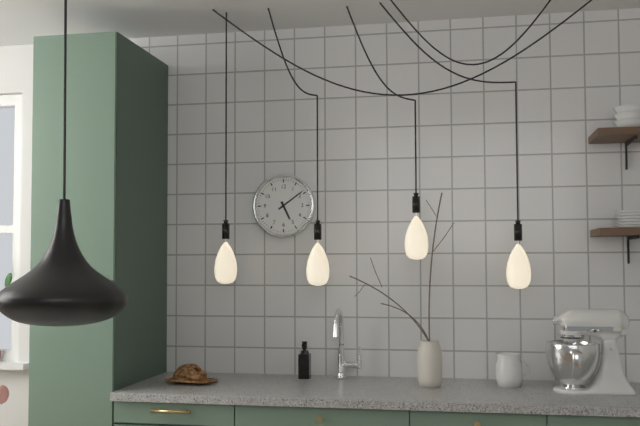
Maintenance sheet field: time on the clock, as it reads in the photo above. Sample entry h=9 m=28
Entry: h=5 m=9
